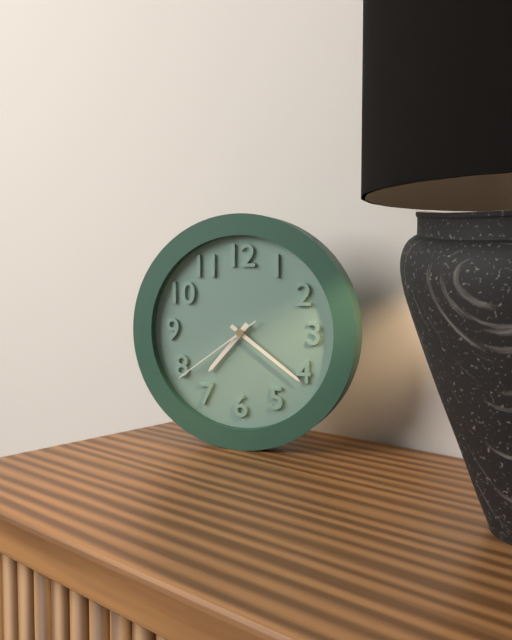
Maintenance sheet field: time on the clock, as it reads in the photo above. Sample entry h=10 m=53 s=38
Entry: h=7 m=21 s=39
